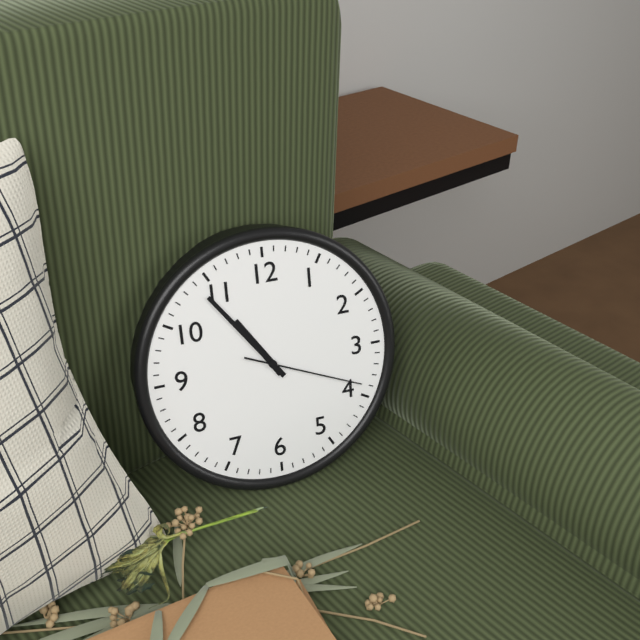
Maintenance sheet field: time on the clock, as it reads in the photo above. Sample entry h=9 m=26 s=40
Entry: h=10 m=54 s=19
